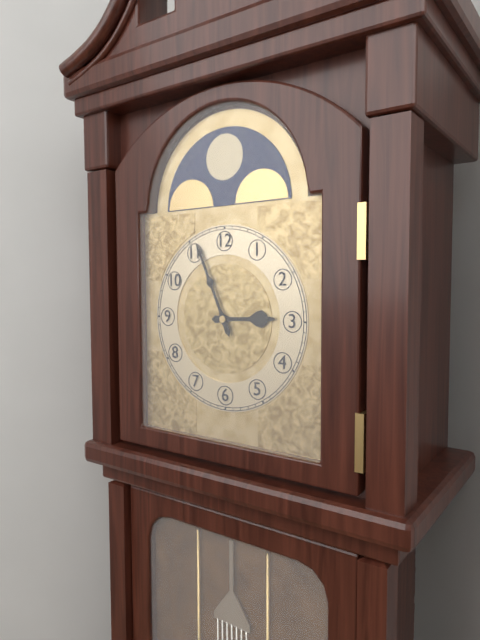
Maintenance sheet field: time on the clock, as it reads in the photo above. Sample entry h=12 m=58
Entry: h=2 m=56
